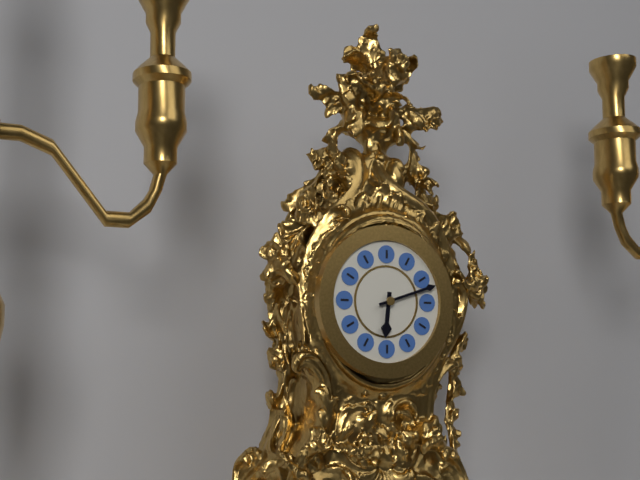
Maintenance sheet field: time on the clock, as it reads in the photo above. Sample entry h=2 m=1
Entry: h=6 m=12
